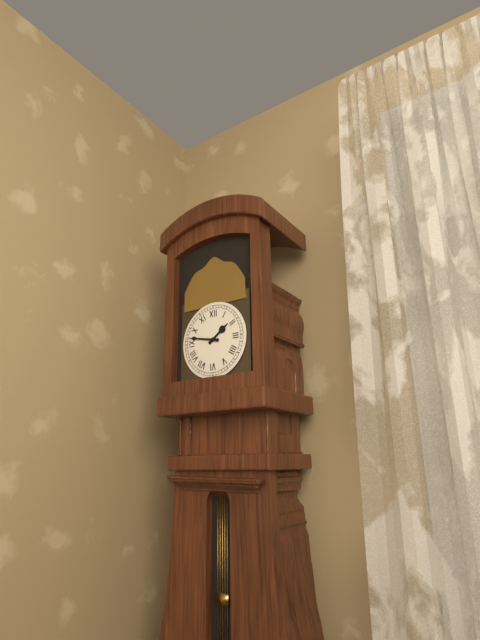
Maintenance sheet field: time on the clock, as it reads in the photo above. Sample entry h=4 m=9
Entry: h=1 m=47
